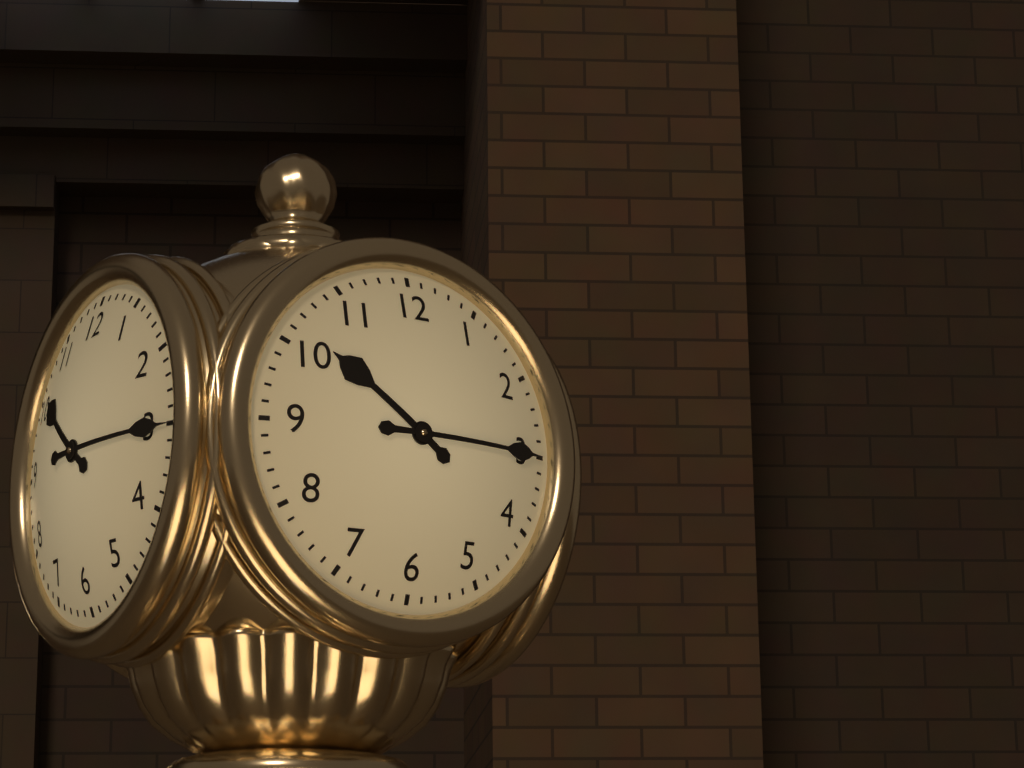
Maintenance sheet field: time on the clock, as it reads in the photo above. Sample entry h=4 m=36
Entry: h=10 m=15
